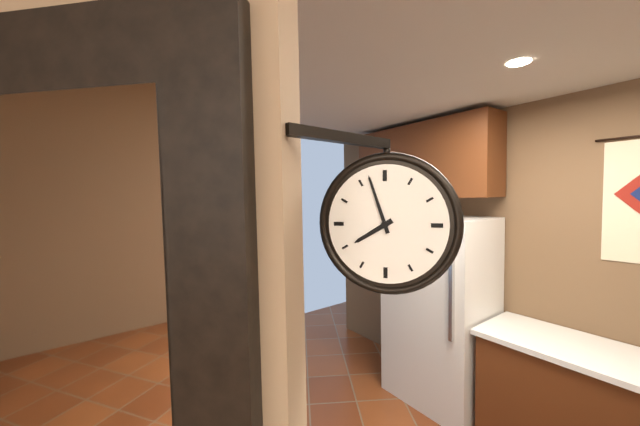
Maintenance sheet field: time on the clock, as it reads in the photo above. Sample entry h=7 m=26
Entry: h=7 m=57
